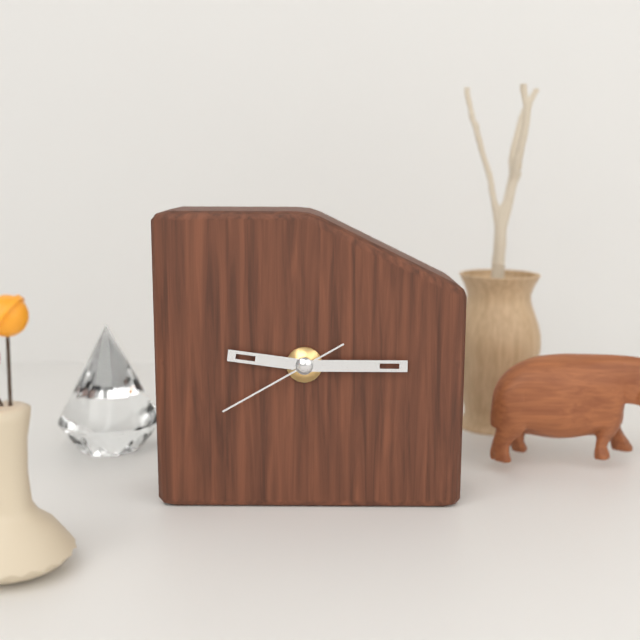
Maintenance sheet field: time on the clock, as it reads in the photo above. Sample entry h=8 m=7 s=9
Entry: h=9 m=15 s=40
